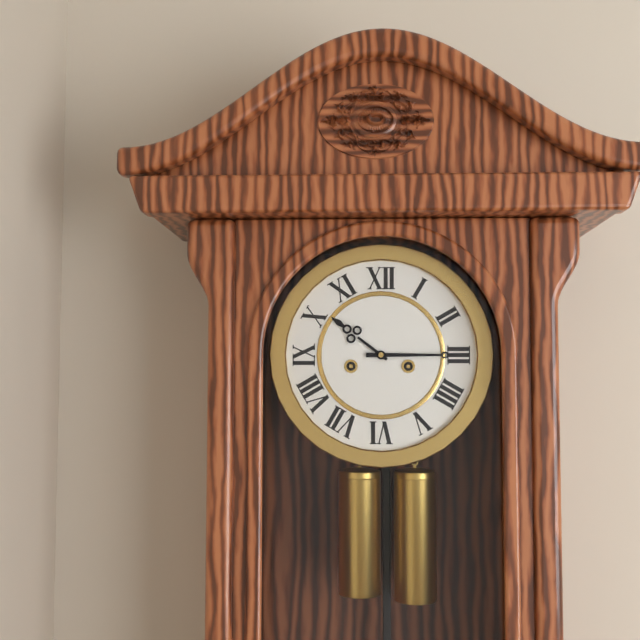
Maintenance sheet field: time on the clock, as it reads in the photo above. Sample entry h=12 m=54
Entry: h=10 m=15
